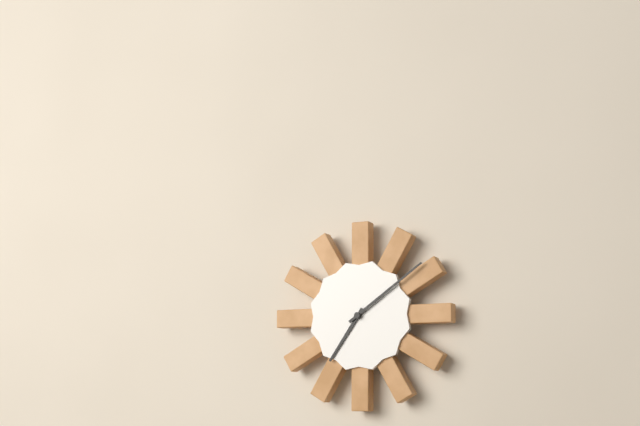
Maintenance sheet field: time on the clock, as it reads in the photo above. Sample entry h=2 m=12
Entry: h=7 m=9
